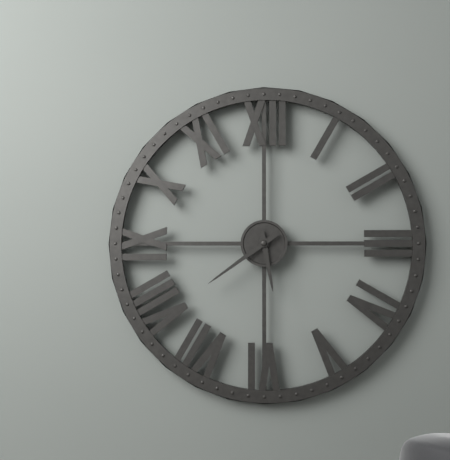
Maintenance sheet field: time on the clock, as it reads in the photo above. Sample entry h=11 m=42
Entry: h=5 m=39
